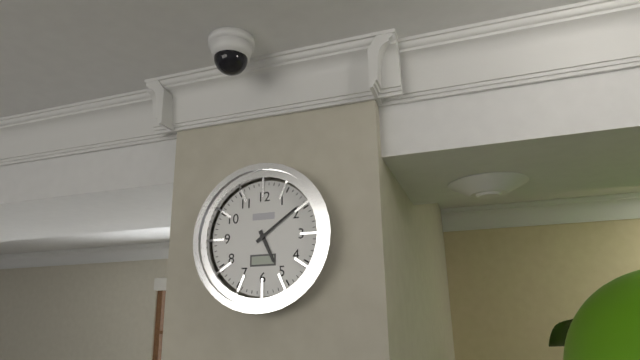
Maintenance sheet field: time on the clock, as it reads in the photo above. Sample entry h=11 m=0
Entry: h=5 m=9
